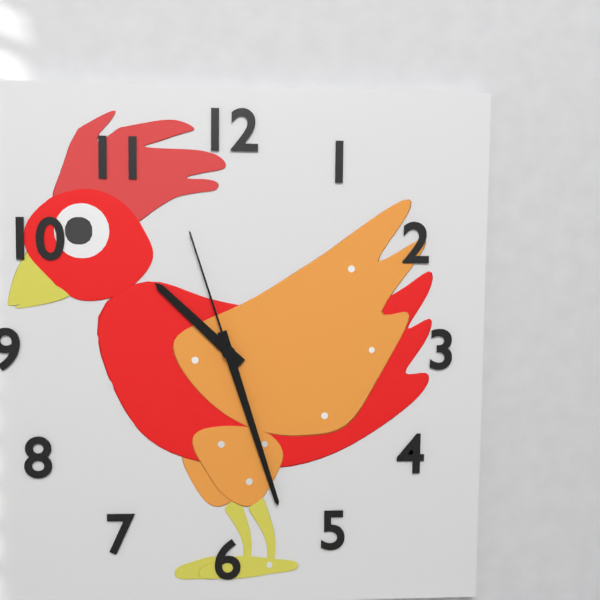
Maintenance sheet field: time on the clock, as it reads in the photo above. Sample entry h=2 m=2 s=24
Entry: h=10 m=27 s=57
